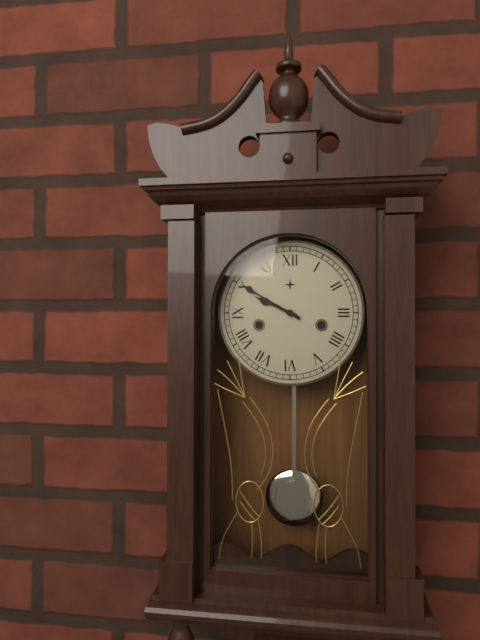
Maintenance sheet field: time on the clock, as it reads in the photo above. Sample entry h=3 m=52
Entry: h=9 m=50
